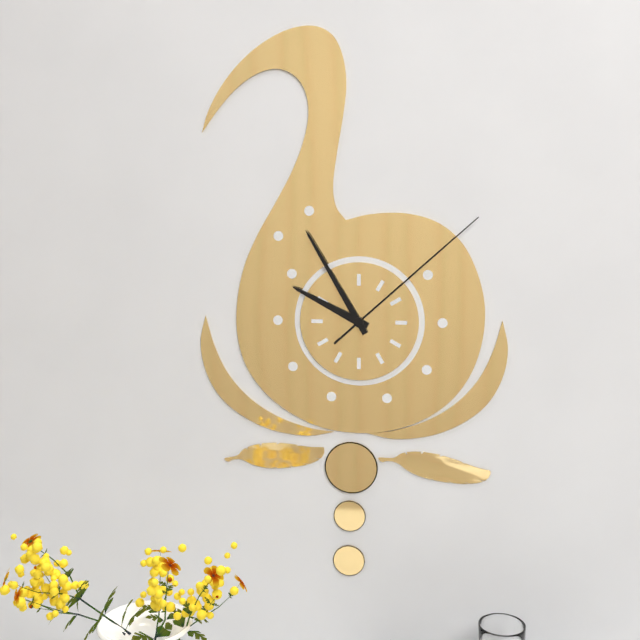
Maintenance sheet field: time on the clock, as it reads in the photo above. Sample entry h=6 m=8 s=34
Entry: h=9 m=55 s=8
